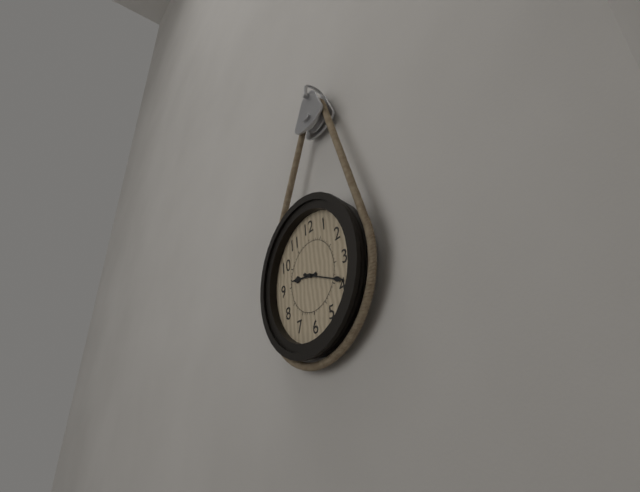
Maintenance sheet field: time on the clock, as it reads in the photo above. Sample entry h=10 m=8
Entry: h=9 m=19
